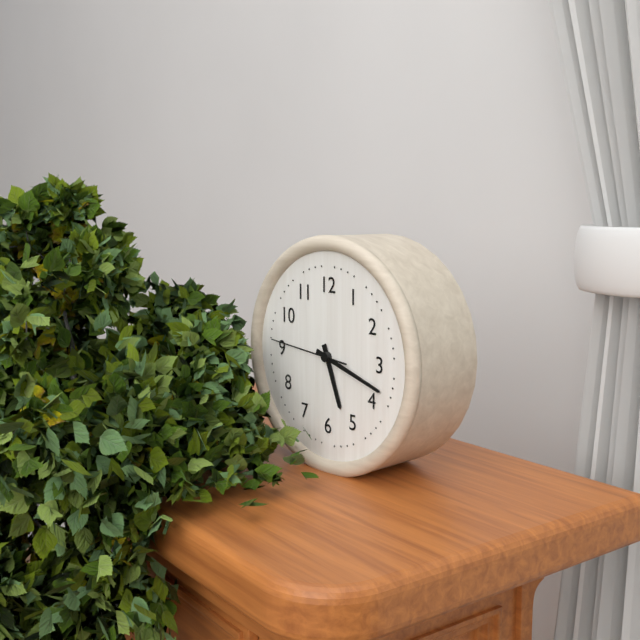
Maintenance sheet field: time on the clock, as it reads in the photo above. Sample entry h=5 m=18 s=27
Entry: h=5 m=18 s=46
